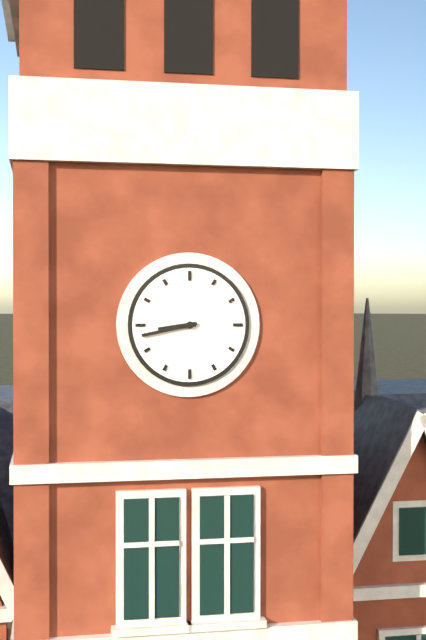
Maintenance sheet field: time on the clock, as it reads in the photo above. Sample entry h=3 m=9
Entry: h=8 m=43
